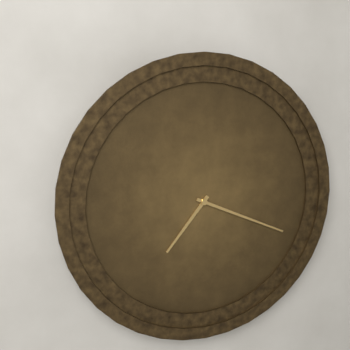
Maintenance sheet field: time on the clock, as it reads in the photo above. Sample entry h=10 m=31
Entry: h=7 m=19
